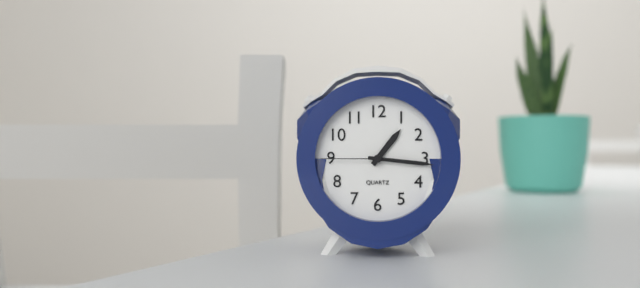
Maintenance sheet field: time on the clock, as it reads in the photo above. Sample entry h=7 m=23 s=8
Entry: h=1 m=16 s=45
